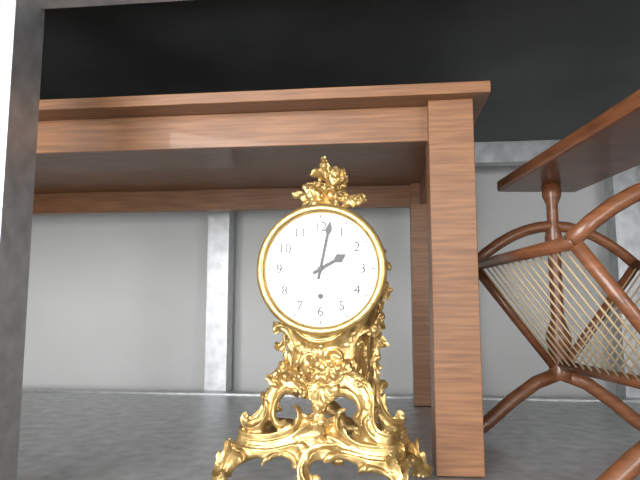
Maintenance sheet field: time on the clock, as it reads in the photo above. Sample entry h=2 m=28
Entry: h=2 m=2
